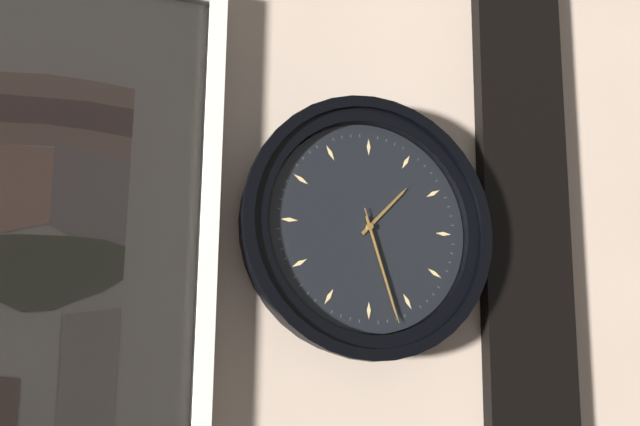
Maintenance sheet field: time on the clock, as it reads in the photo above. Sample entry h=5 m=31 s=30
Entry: h=1 m=27 s=27
